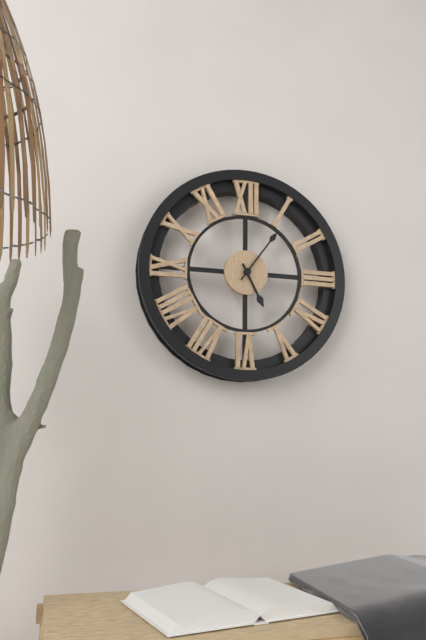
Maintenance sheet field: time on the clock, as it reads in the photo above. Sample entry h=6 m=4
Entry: h=5 m=6
